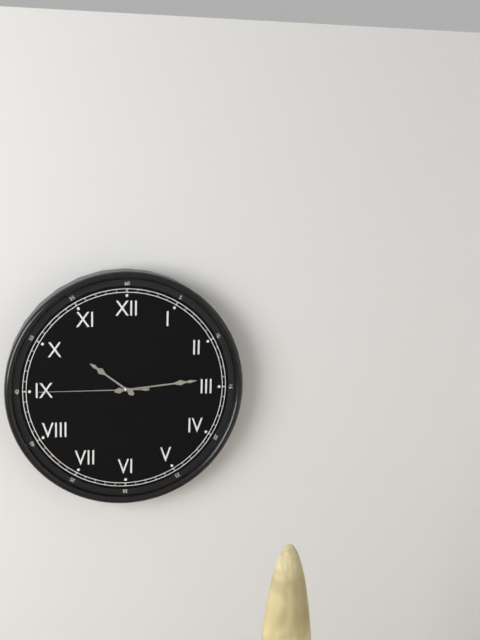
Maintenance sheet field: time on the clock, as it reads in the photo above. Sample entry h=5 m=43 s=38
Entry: h=10 m=14 s=45
